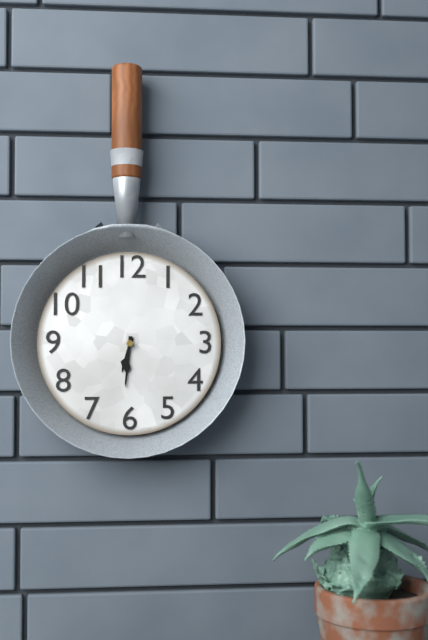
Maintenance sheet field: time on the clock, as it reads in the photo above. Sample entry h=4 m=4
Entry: h=6 m=31
